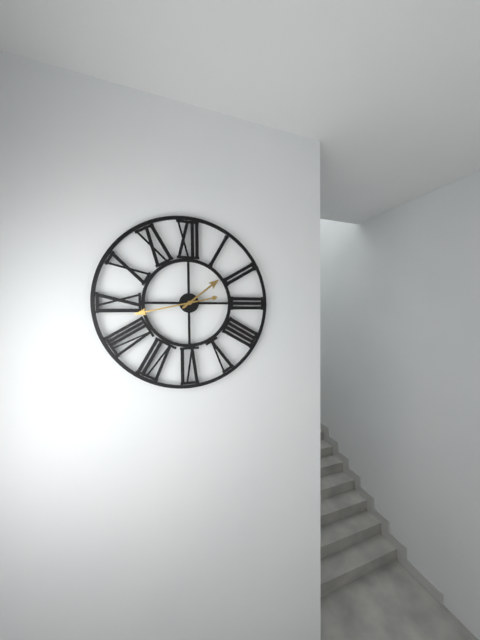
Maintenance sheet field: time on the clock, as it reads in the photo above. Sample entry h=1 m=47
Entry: h=1 m=43
